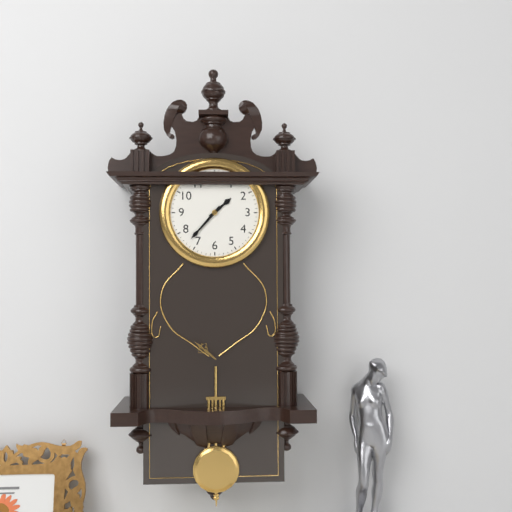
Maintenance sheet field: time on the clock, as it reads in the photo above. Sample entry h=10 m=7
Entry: h=1 m=37
